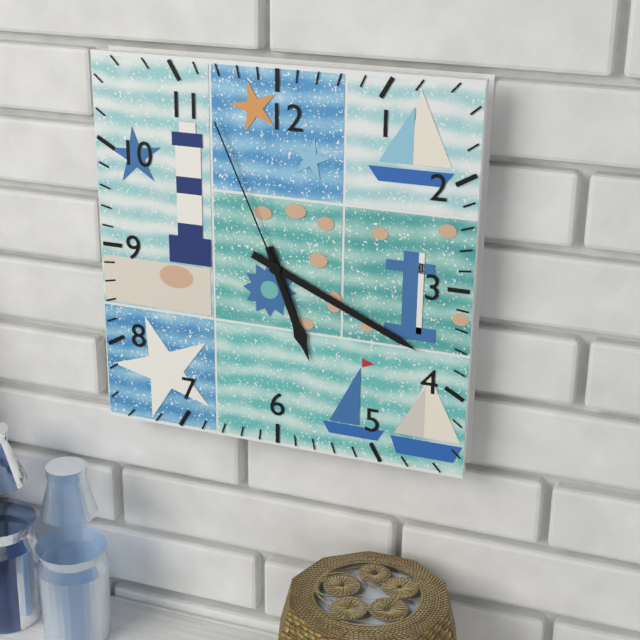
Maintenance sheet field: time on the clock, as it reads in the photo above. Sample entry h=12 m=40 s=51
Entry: h=5 m=19 s=56
